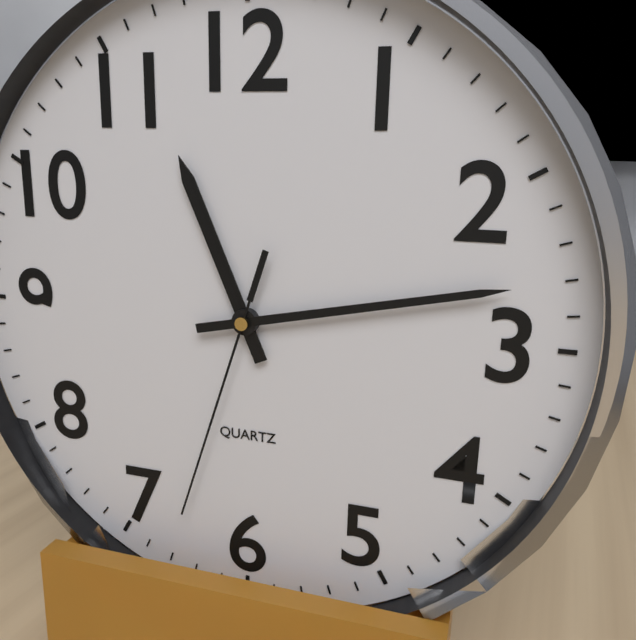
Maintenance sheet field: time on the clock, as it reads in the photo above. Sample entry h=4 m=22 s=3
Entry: h=11 m=13 s=33
